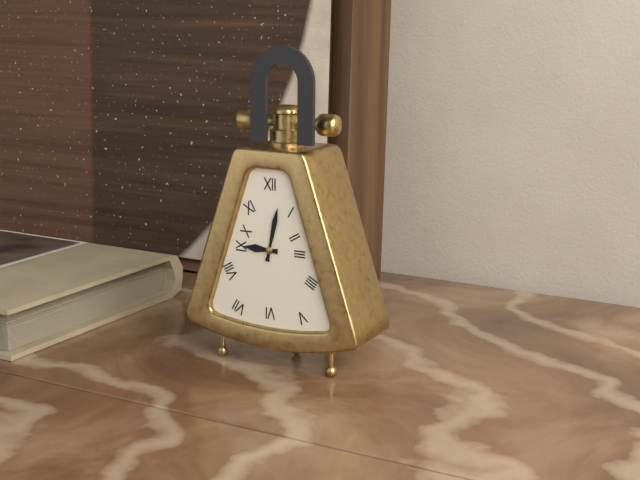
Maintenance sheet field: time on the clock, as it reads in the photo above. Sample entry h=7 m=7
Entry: h=9 m=2
